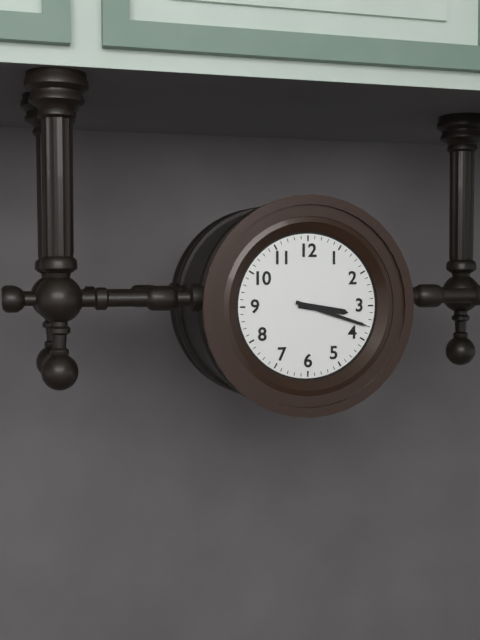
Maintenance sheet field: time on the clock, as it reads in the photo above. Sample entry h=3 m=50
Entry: h=3 m=18
